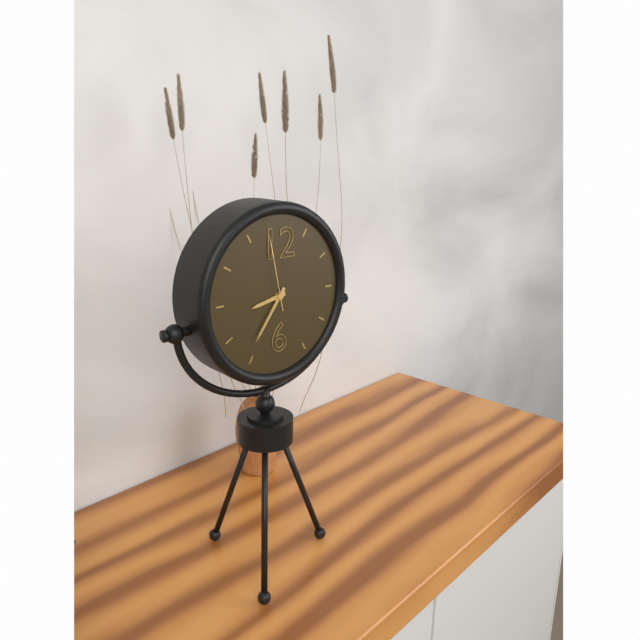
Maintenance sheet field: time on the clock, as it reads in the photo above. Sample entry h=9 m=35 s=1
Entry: h=8 m=36 s=58
